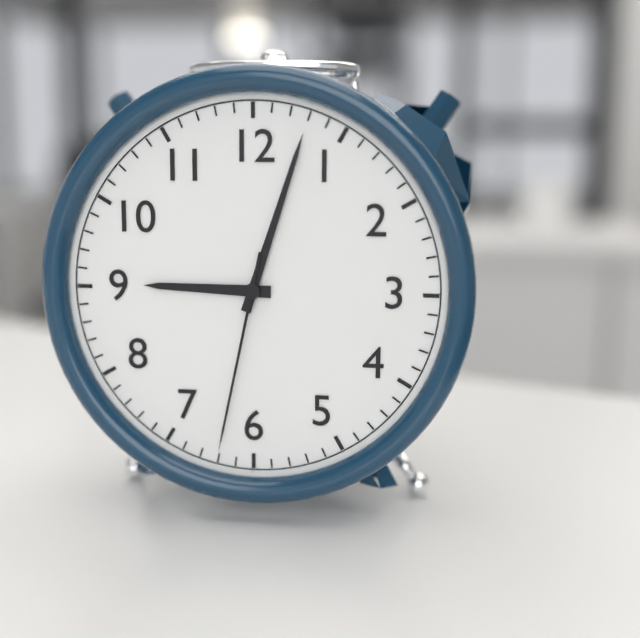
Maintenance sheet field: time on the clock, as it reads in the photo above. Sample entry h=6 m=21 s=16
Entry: h=9 m=3 s=32
